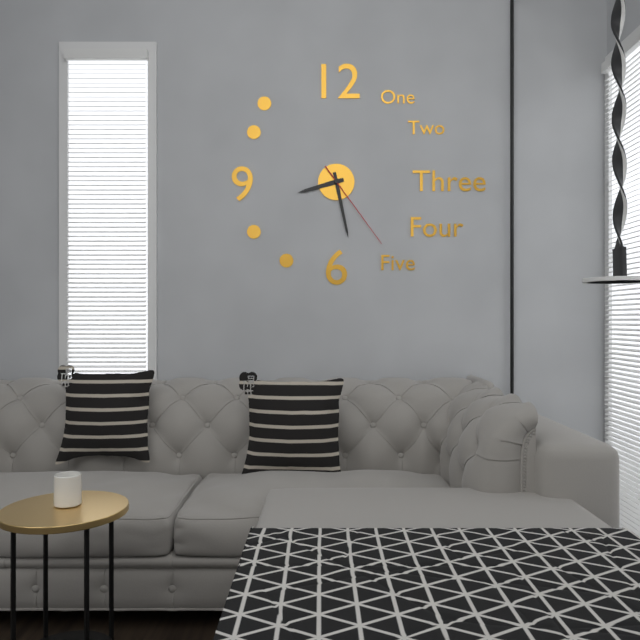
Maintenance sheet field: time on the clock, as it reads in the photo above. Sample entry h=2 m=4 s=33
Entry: h=8 m=28 s=24
